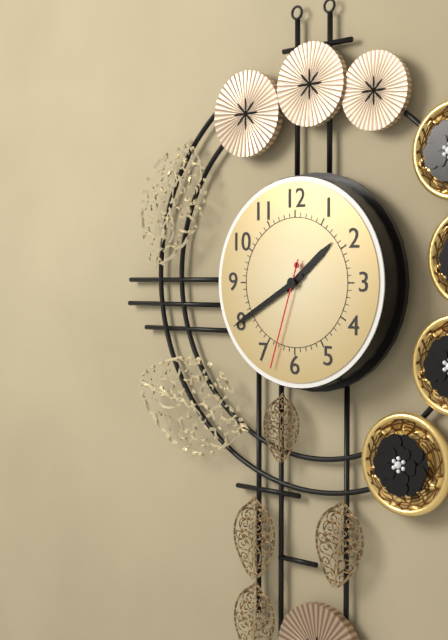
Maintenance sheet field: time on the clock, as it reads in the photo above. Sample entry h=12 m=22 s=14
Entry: h=1 m=40 s=33
